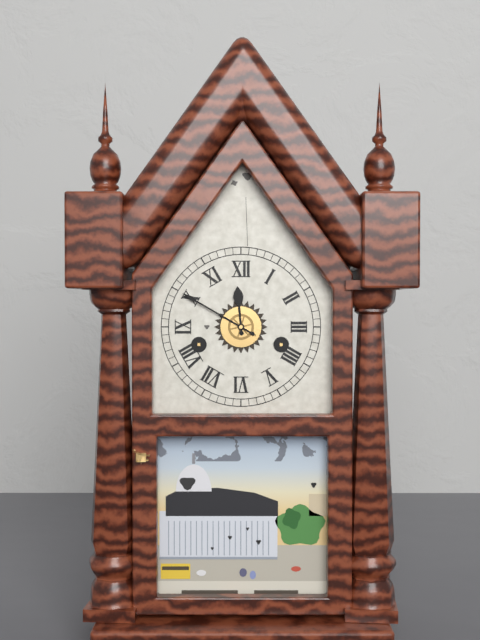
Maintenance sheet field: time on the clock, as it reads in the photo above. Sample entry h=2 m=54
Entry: h=11 m=50
